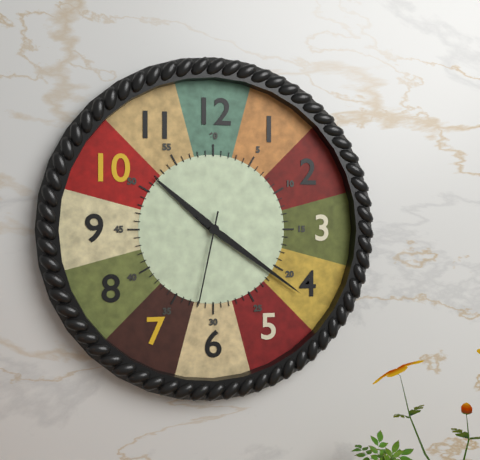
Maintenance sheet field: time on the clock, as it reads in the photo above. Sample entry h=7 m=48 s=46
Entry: h=10 m=21 s=32
